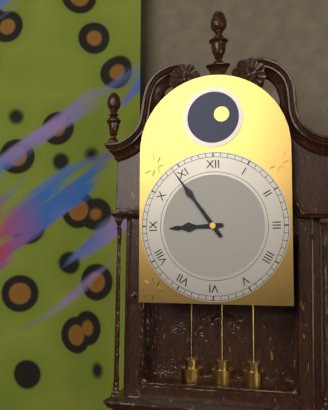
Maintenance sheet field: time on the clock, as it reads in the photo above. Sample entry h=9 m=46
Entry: h=8 m=54
